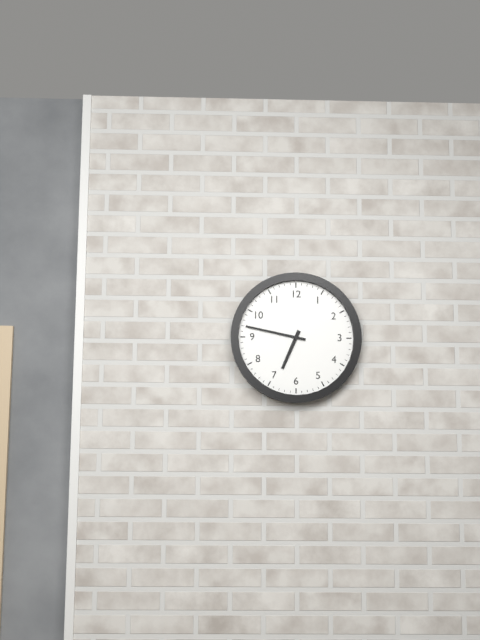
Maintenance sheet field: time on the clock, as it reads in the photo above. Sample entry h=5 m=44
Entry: h=6 m=47
